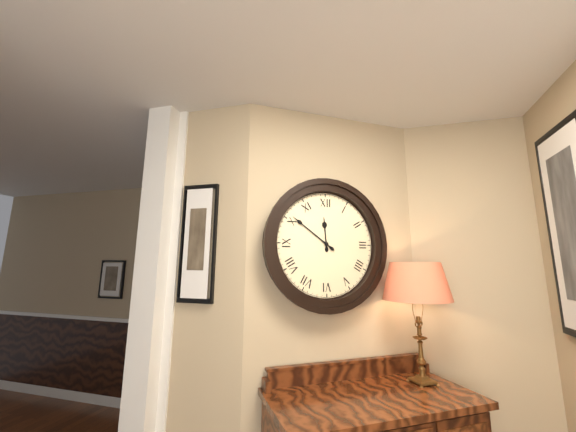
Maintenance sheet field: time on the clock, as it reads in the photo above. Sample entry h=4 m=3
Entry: h=11 m=51
